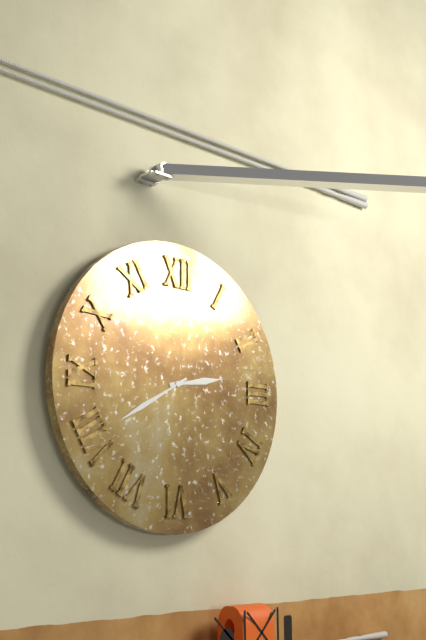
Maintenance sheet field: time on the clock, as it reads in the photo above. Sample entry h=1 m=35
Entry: h=2 m=40
